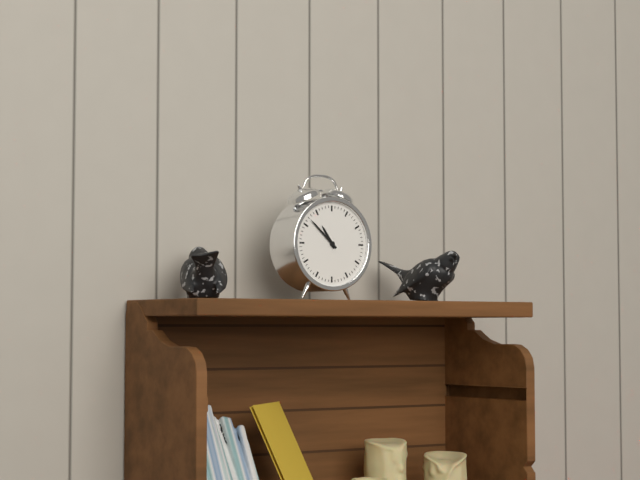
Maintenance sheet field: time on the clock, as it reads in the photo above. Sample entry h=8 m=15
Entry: h=10 m=52
